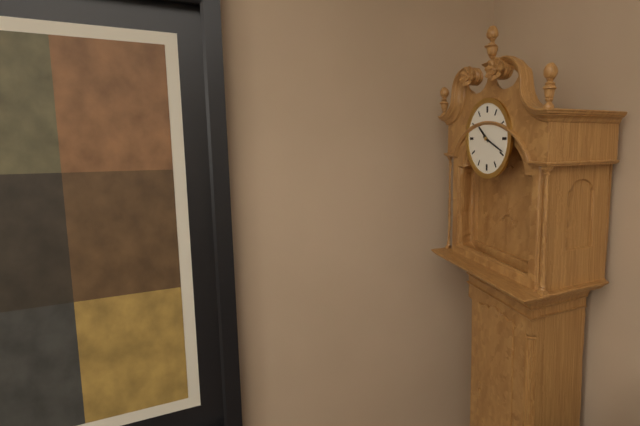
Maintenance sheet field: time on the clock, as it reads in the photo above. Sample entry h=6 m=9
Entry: h=10 m=19
